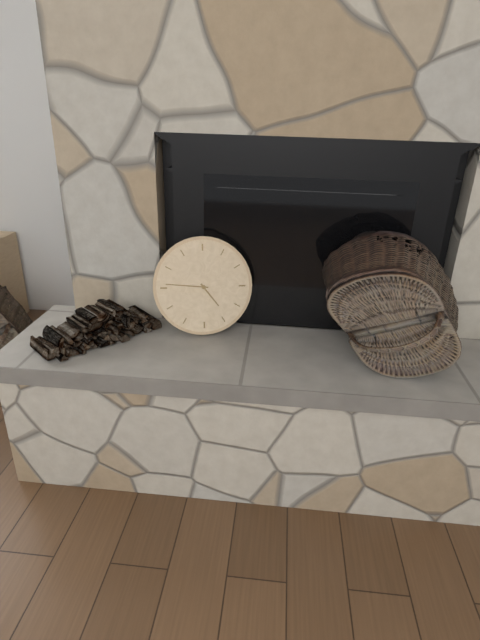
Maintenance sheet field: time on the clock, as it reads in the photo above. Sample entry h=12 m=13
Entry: h=4 m=46
